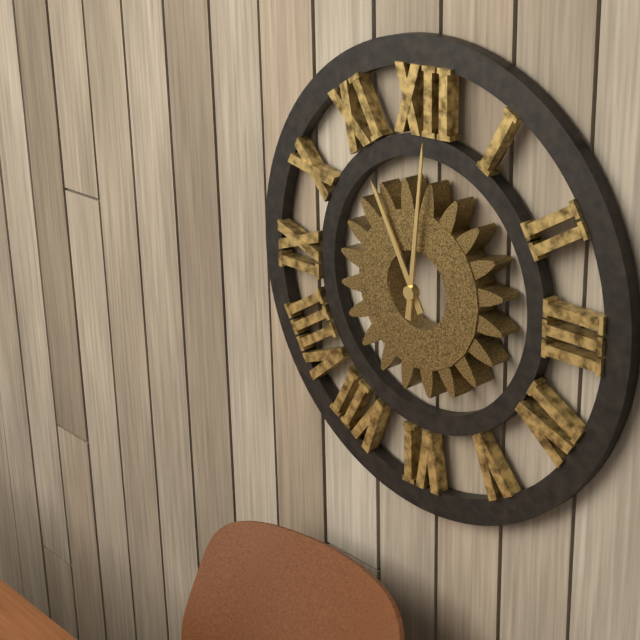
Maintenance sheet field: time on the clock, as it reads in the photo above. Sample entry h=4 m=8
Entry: h=11 m=1
